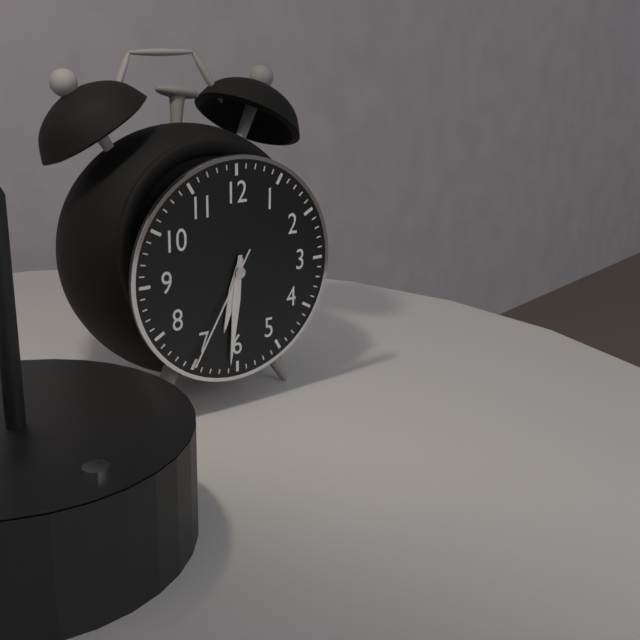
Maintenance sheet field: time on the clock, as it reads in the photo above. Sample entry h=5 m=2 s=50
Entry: h=6 m=31 s=35
